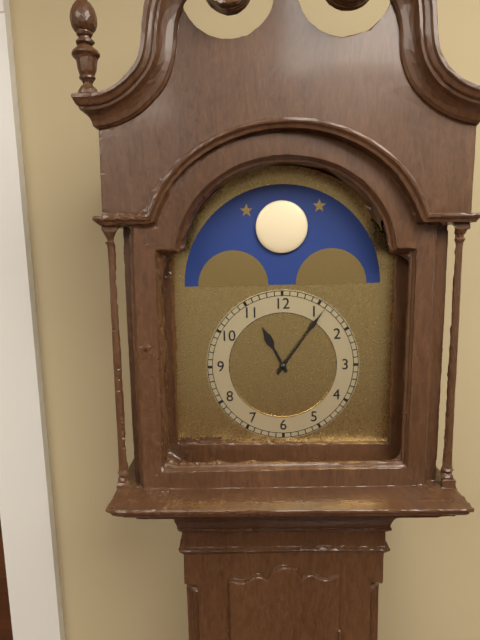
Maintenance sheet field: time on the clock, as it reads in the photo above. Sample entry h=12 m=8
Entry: h=11 m=6
